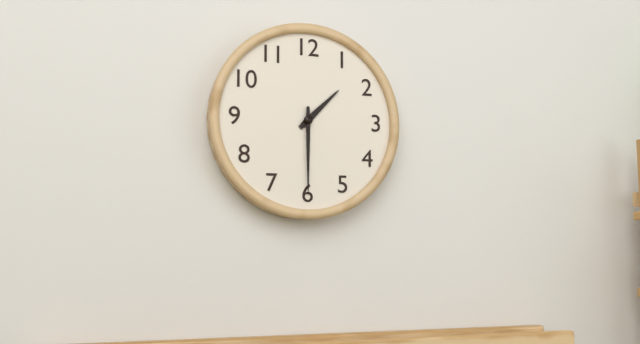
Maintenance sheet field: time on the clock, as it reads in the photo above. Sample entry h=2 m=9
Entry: h=1 m=30
